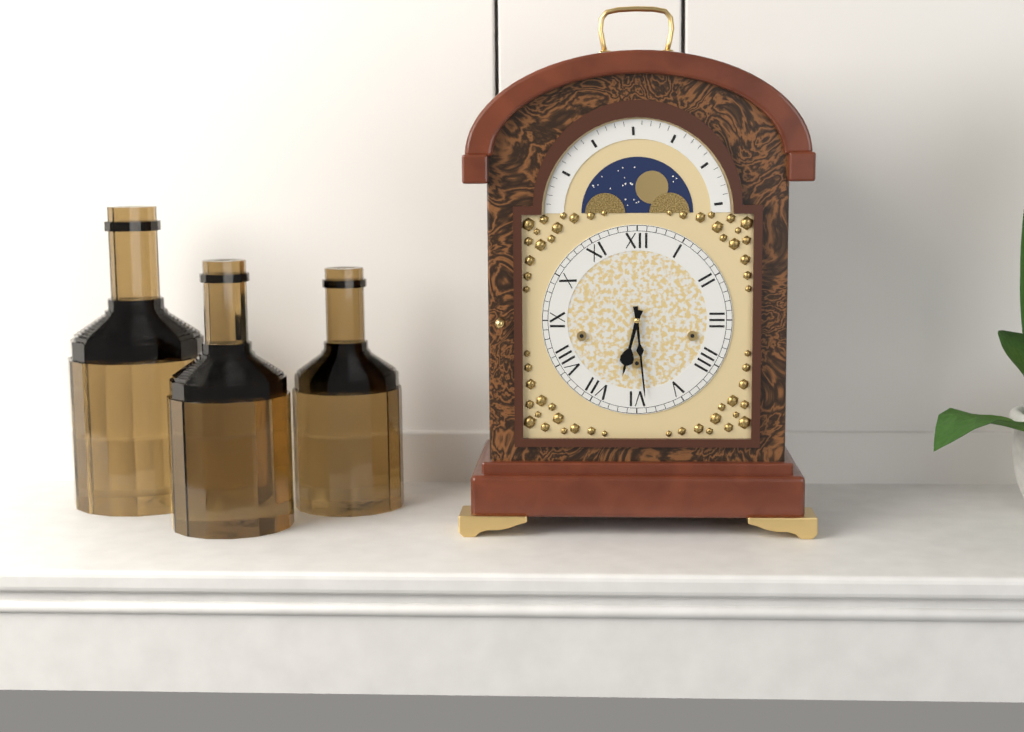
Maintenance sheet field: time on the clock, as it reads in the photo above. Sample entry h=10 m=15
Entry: h=6 m=29
